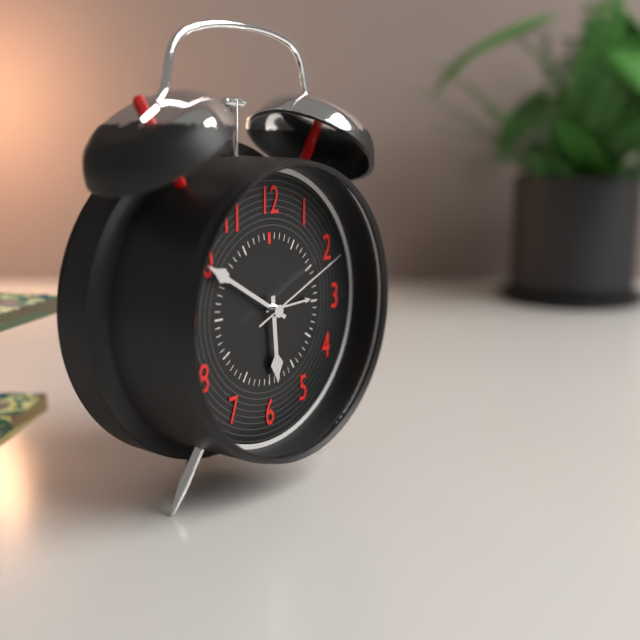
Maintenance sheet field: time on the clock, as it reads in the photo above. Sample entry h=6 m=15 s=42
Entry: h=5 m=50 s=11
